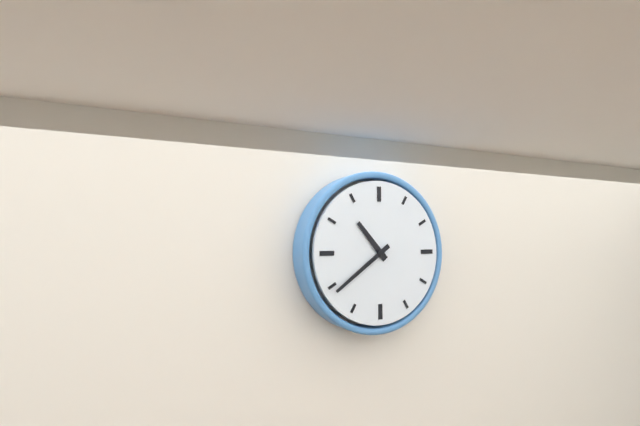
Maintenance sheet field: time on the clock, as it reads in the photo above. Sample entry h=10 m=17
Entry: h=10 m=39
